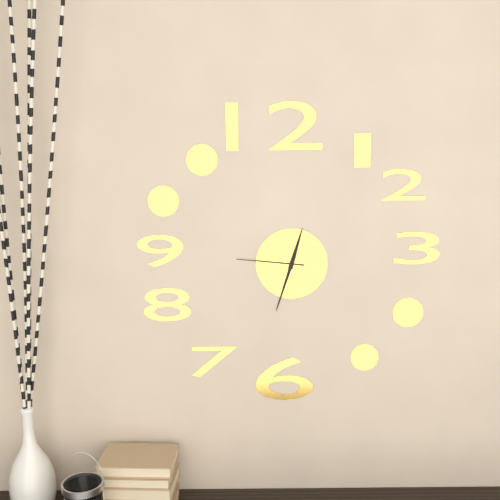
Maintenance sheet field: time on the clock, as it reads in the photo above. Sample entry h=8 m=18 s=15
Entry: h=12 m=33 s=46
